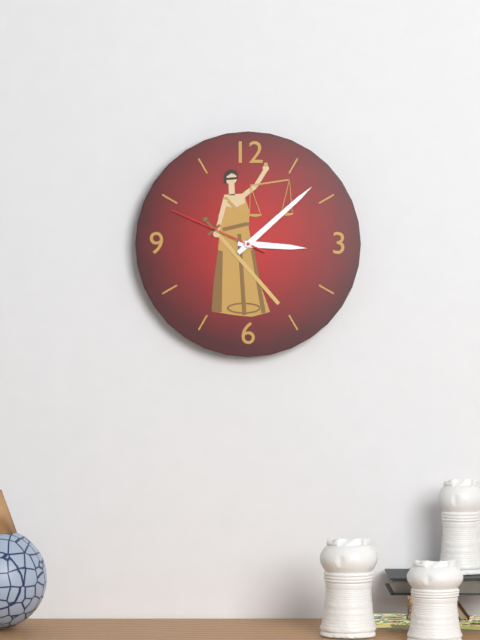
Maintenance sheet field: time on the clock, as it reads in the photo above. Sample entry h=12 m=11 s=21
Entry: h=3 m=8 s=49
